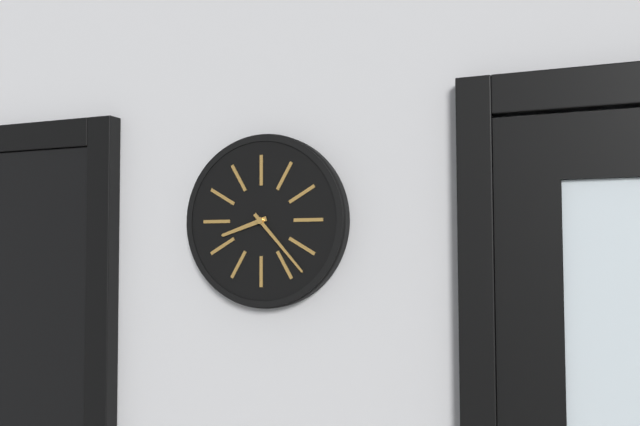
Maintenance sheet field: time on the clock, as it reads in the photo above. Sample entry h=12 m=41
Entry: h=8 m=23
